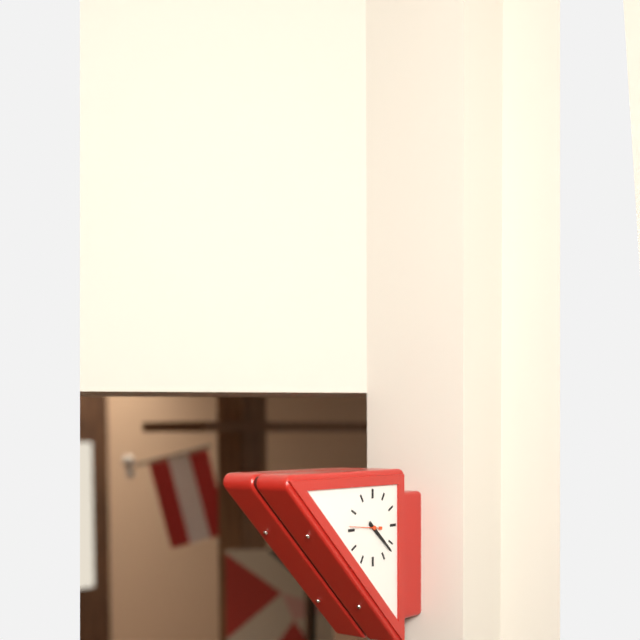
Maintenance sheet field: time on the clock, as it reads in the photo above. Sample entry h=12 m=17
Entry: h=4 m=22
